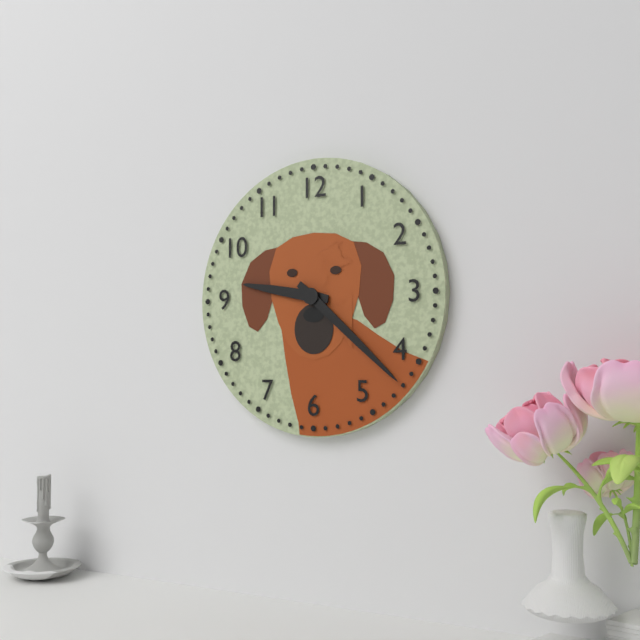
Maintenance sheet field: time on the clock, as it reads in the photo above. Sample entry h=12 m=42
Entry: h=9 m=22
